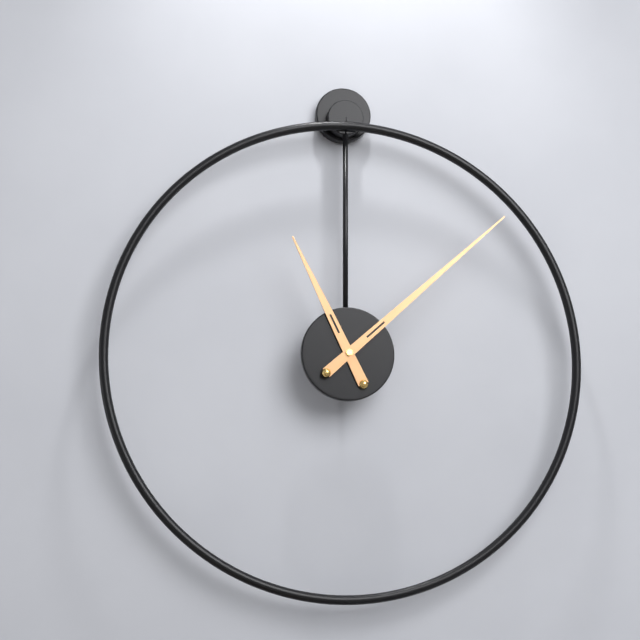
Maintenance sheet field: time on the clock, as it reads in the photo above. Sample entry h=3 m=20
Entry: h=11 m=8
